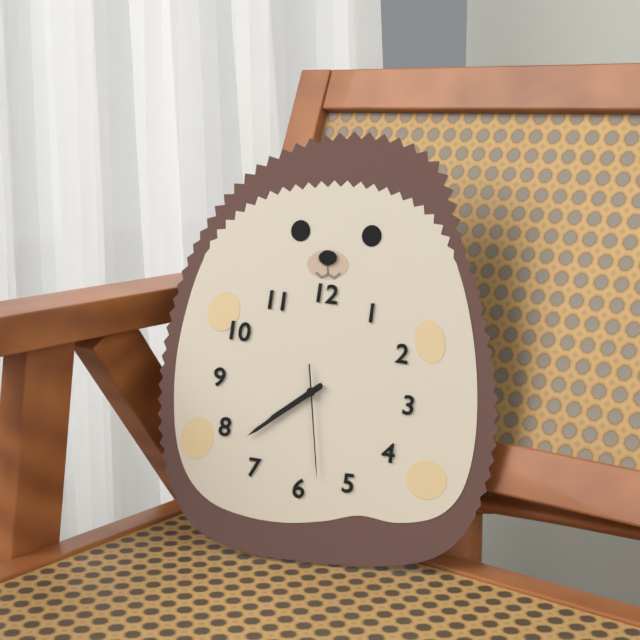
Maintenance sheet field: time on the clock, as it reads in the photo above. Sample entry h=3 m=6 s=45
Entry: h=7 m=38 s=28
